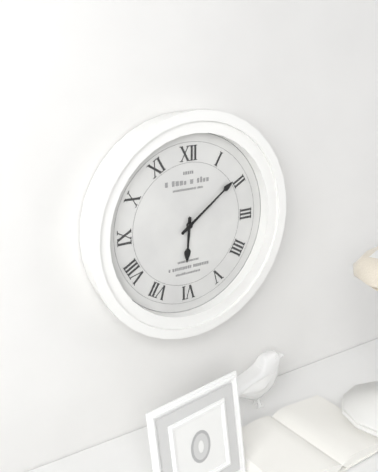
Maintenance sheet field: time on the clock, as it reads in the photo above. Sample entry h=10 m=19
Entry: h=6 m=9
